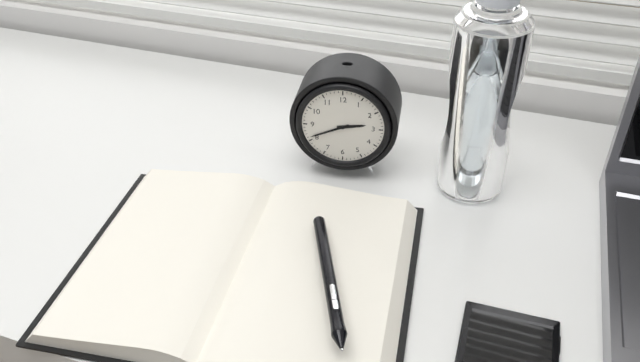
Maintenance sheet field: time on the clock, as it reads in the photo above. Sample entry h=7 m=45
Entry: h=2 m=41
